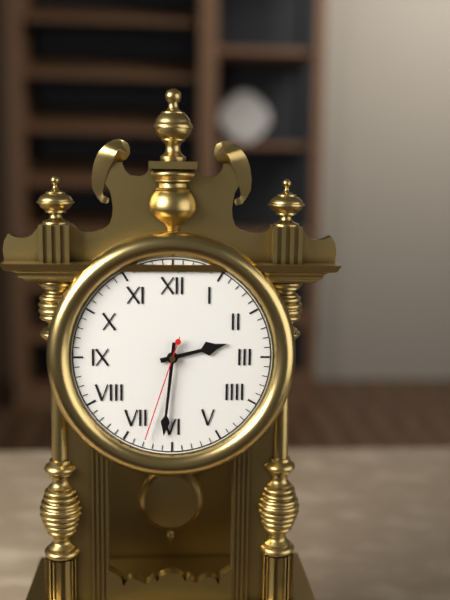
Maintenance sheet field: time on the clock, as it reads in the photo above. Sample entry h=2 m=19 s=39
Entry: h=2 m=31 s=33
